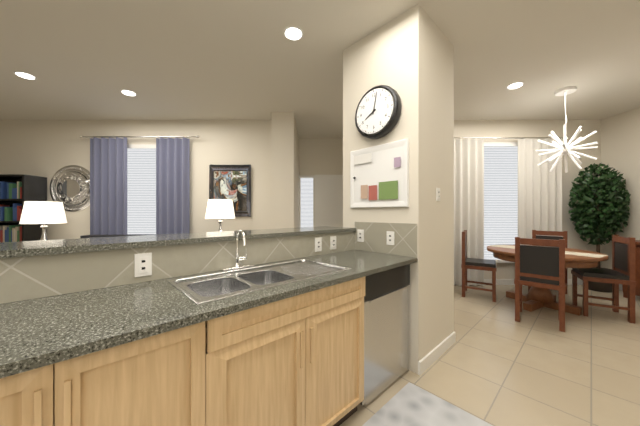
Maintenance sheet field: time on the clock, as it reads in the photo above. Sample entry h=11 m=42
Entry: h=8 m=2
